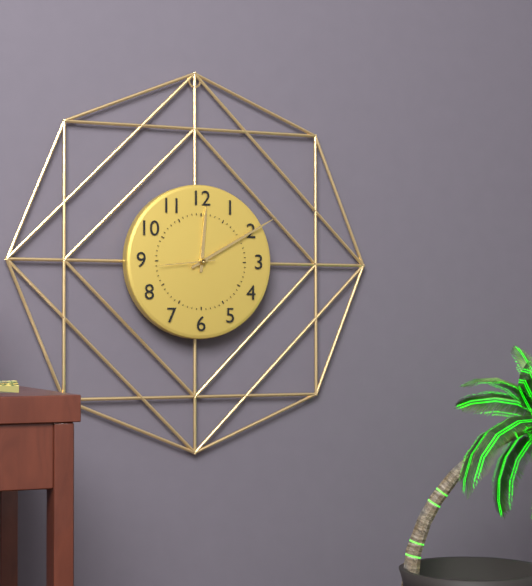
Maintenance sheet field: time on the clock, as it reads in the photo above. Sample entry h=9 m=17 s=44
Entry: h=12 m=10 s=44
